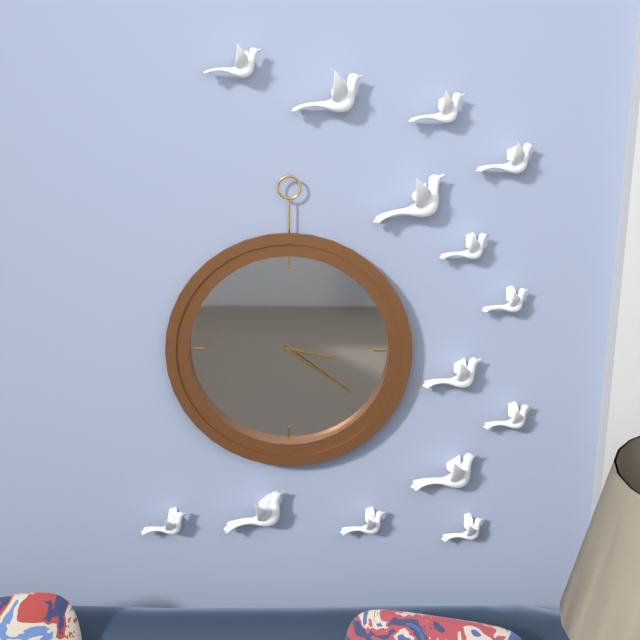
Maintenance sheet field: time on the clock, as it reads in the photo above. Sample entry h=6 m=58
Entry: h=3 m=21
